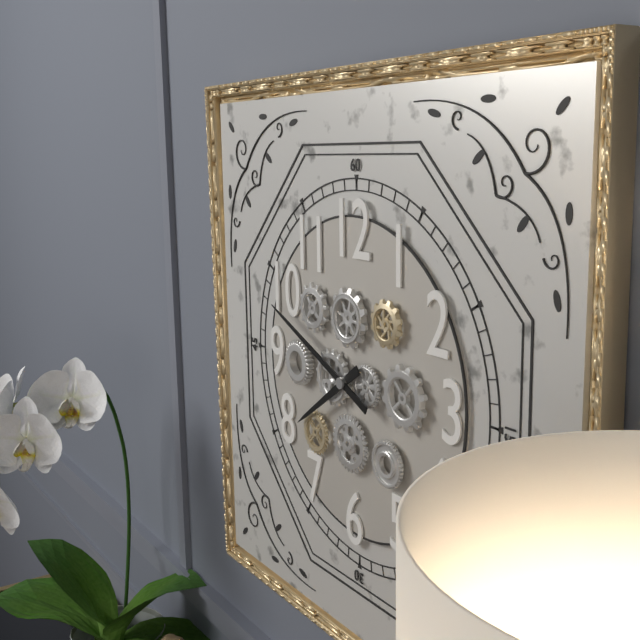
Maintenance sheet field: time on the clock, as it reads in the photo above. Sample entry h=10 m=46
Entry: h=7 m=49
